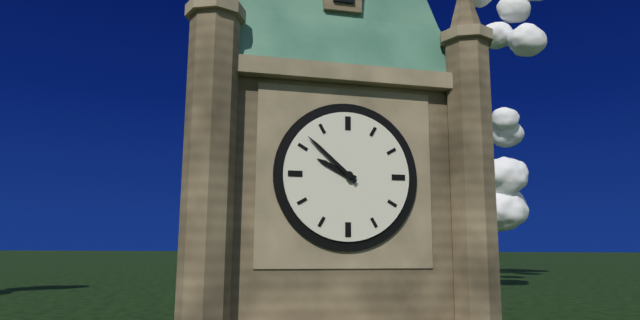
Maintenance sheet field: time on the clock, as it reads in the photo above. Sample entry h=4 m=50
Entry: h=9 m=52
